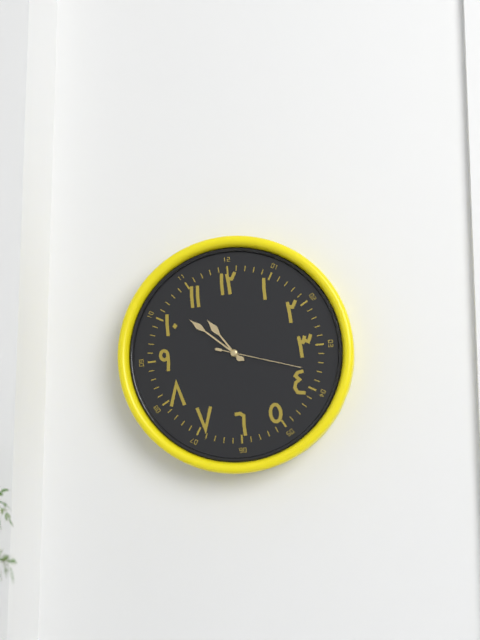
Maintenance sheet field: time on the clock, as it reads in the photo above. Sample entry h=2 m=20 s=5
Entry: h=10 m=52 s=18
